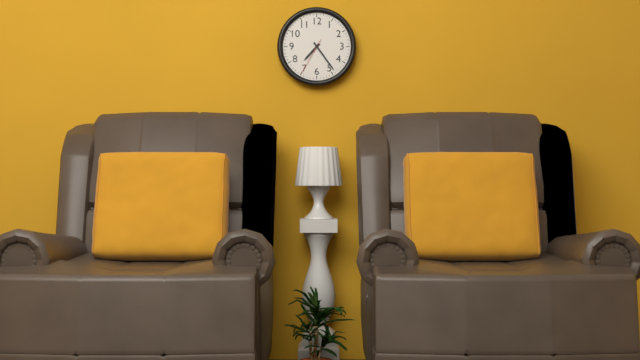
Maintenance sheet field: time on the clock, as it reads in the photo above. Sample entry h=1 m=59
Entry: h=7 m=24
